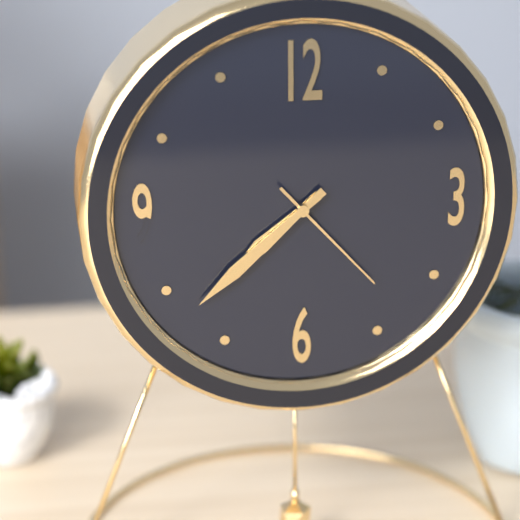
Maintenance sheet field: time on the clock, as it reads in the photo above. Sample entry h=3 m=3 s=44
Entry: h=7 m=38 s=23
